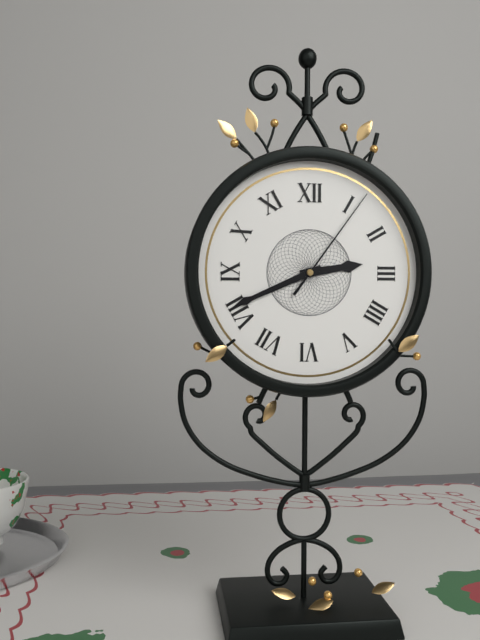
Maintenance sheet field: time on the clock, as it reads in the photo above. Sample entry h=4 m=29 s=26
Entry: h=2 m=41 s=6
